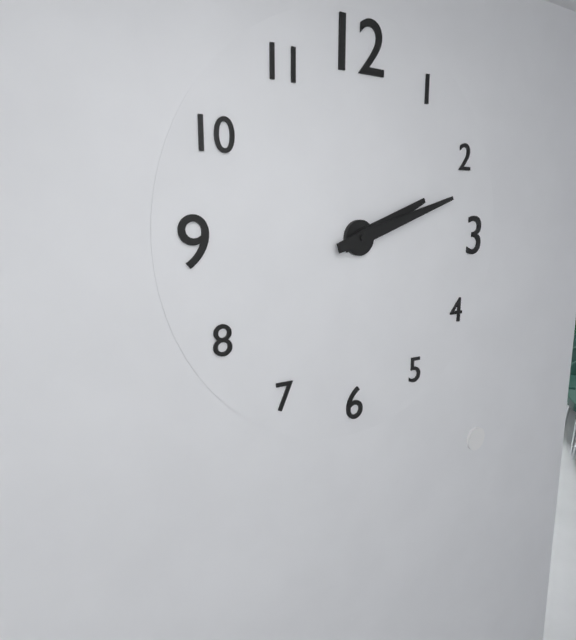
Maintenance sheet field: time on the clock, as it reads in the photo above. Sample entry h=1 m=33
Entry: h=2 m=12
